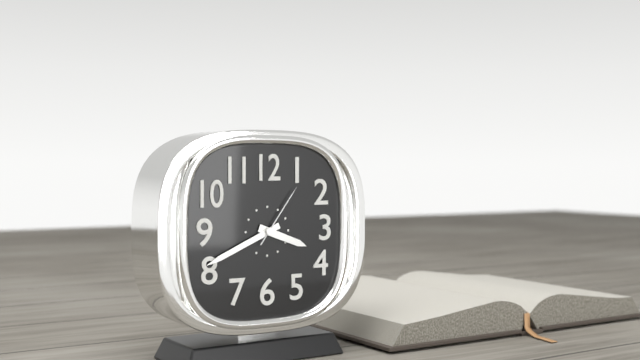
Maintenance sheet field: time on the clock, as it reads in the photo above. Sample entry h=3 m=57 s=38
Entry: h=3 m=41 s=6
